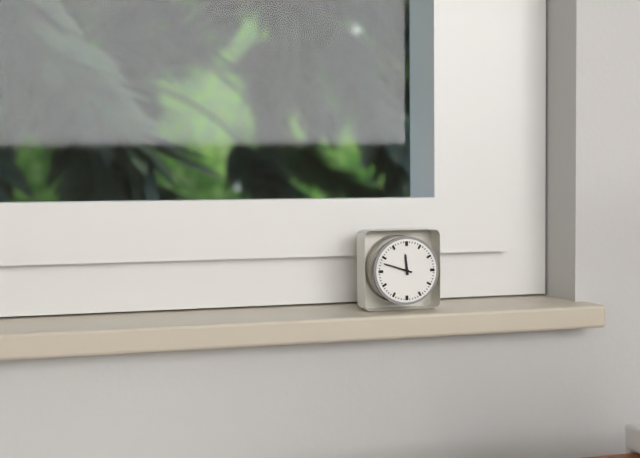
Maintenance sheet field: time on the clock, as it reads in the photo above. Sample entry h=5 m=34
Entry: h=11 m=48
